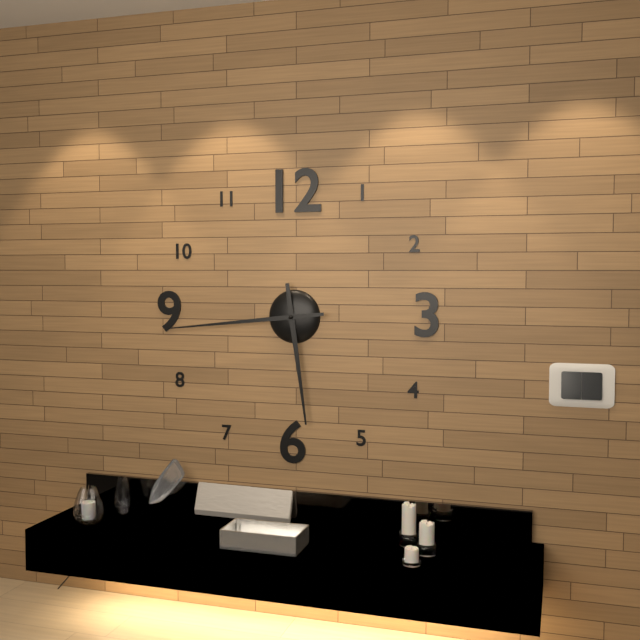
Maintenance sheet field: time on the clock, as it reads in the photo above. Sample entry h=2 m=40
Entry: h=5 m=44
